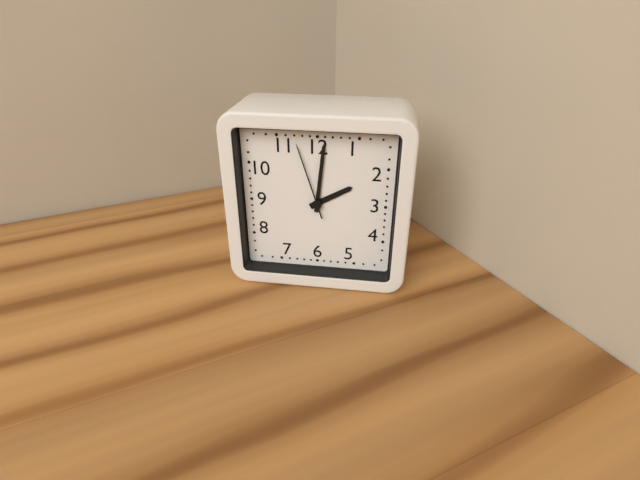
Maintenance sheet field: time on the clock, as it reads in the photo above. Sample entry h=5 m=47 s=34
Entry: h=2 m=1 s=57
